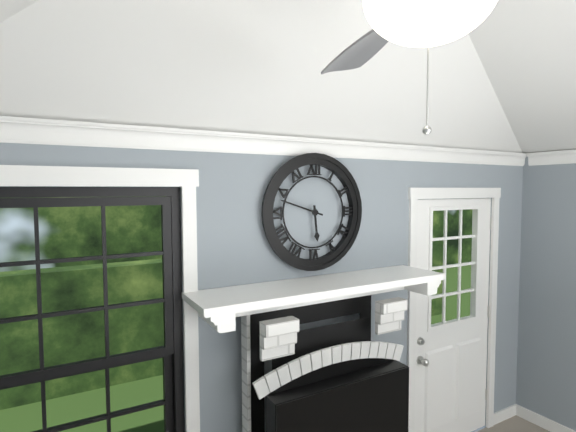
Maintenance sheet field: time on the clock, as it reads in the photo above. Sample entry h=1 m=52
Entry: h=5 m=48
